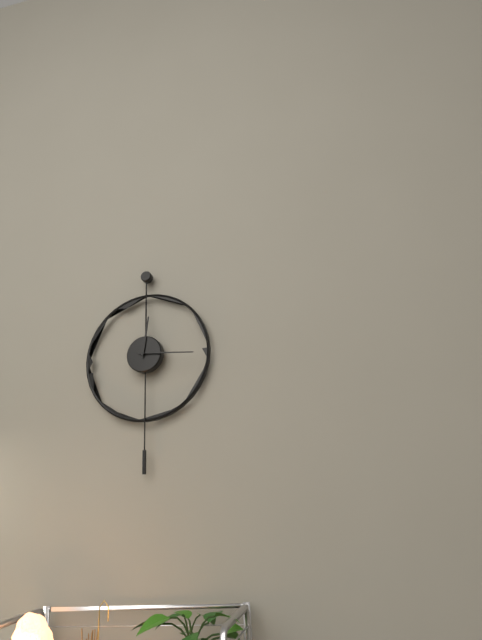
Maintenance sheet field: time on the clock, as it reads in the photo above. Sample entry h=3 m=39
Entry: h=12 m=16
